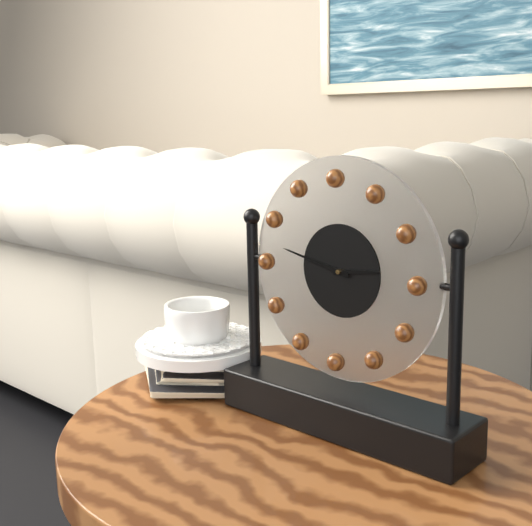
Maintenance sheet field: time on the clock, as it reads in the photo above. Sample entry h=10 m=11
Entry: h=2 m=47
